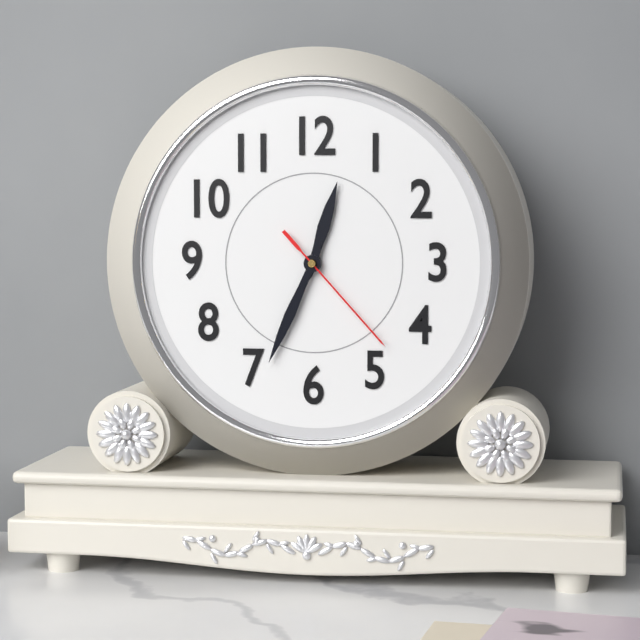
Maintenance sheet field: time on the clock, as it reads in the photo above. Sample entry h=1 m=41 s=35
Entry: h=12 m=34 s=23
